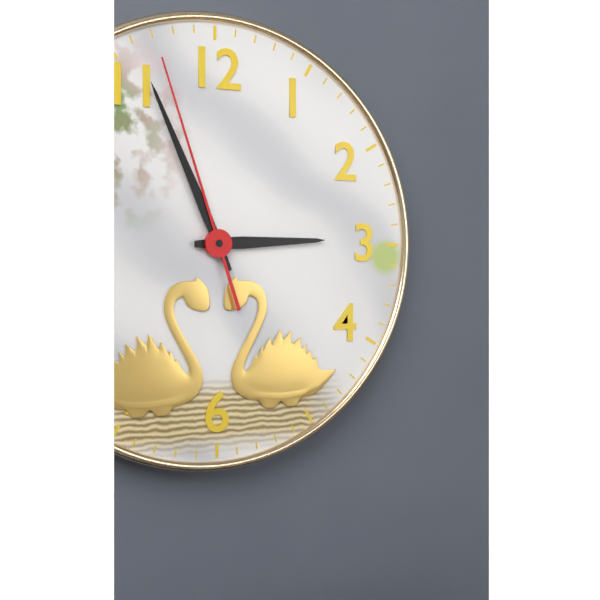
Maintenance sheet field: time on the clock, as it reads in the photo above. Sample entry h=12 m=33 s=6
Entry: h=2 m=56 s=57
